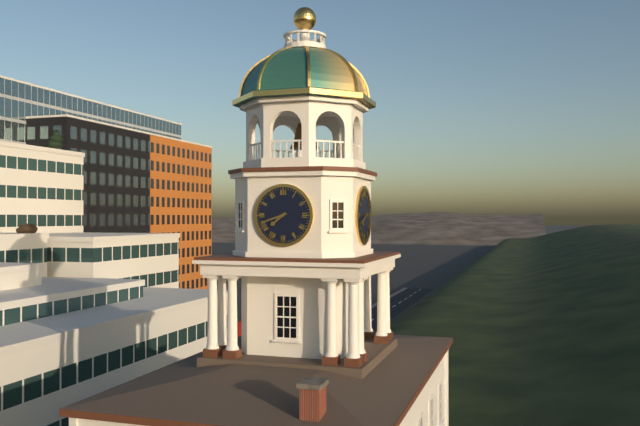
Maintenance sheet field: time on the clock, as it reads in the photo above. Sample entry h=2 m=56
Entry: h=7 m=42
